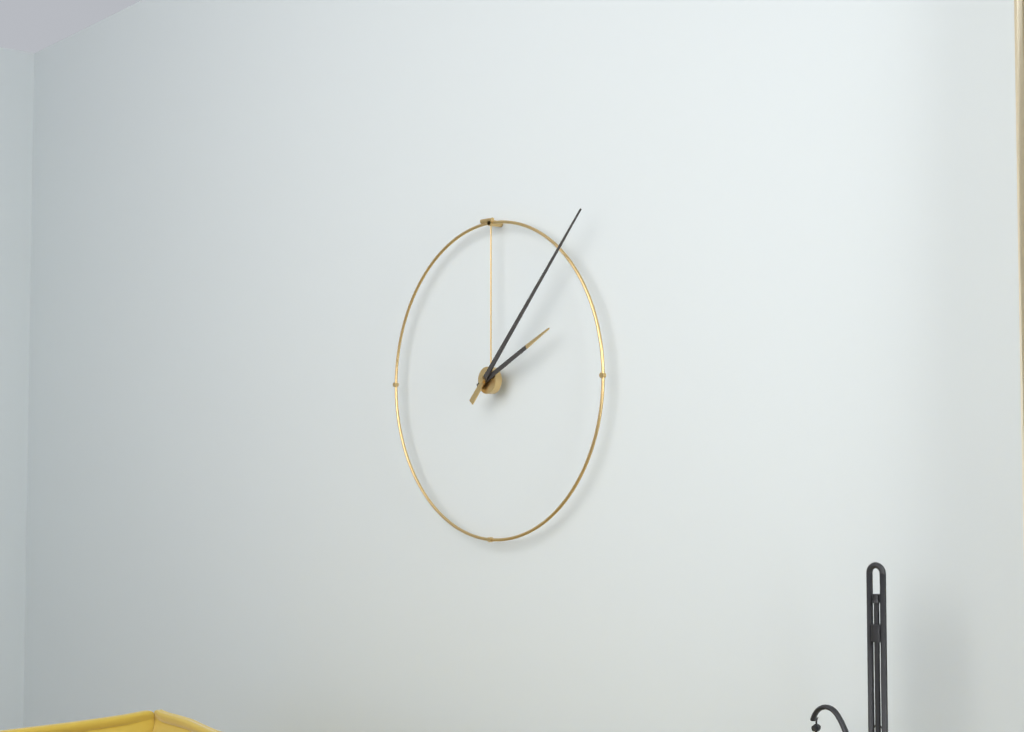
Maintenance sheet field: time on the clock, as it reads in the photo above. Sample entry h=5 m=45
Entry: h=2 m=7
